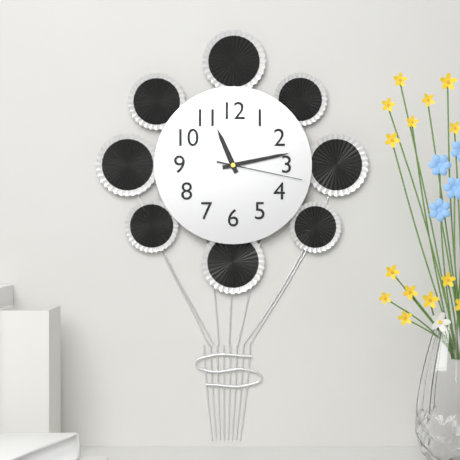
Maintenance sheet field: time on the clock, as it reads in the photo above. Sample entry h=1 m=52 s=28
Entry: h=11 m=13 s=17
